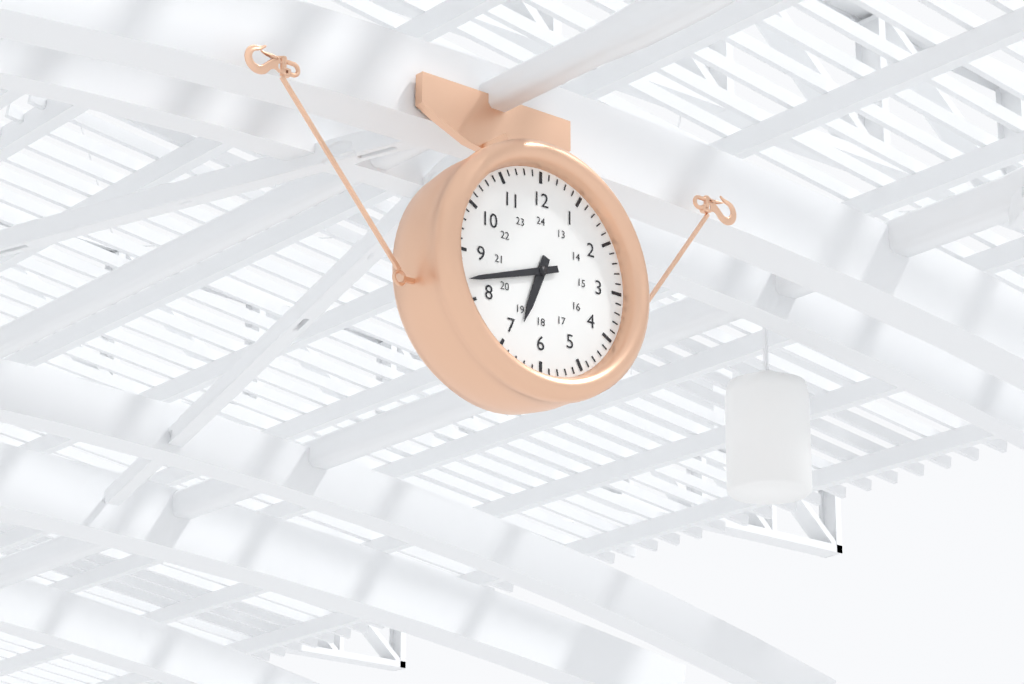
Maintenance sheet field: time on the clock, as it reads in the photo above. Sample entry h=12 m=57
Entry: h=6 m=42
